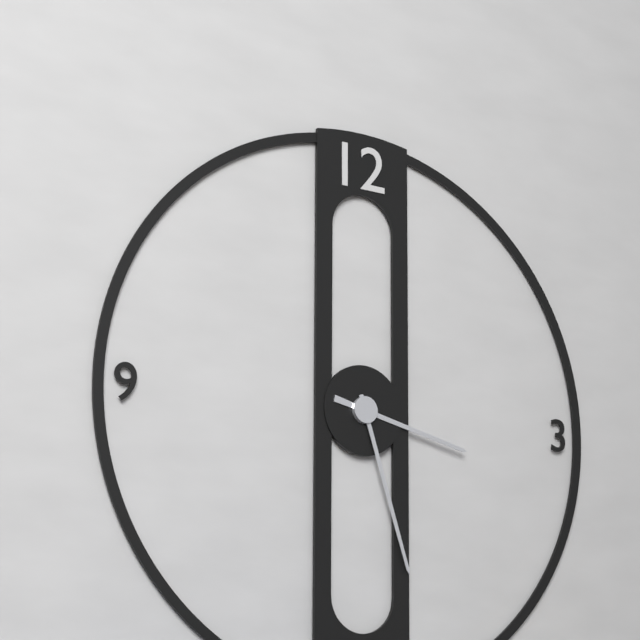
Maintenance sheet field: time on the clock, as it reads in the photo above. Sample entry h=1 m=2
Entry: h=3 m=27
